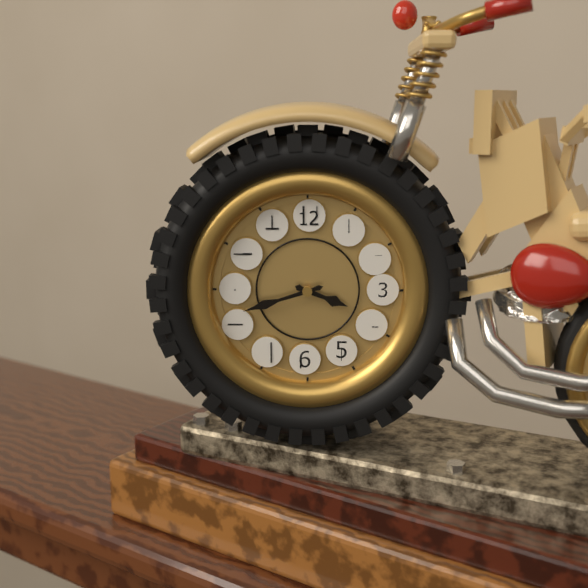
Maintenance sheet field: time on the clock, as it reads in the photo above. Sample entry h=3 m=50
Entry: h=3 m=42
